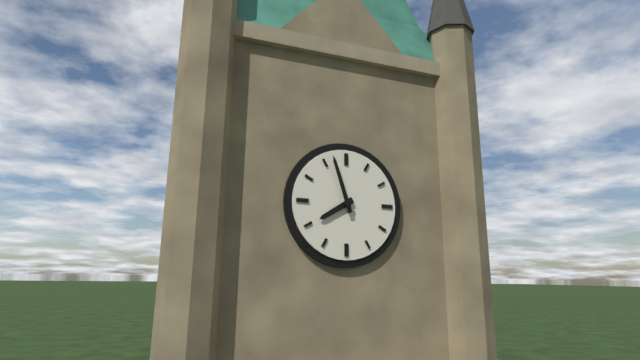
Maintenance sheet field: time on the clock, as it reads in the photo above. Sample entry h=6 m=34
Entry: h=7 m=57
